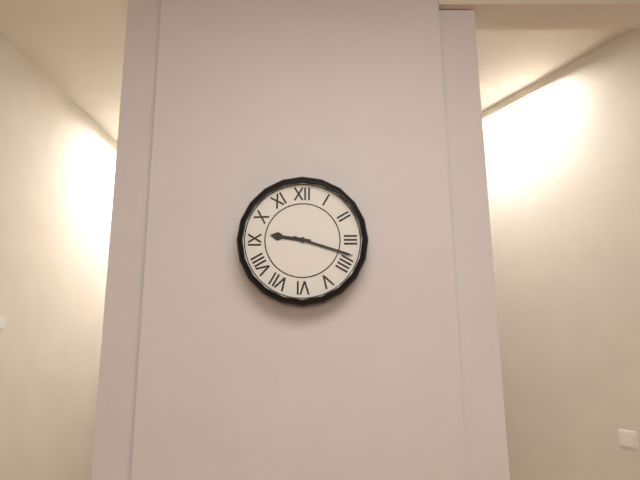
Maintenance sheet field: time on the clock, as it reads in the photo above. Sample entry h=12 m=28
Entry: h=9 m=18
